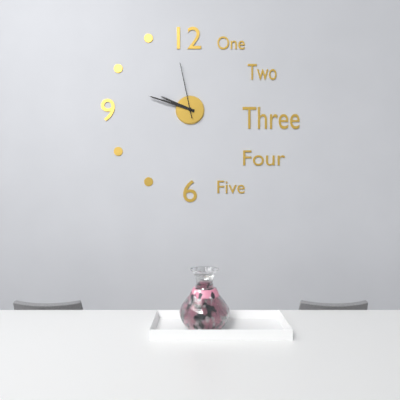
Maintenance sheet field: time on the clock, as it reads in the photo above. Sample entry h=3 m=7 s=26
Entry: h=9 m=48 s=58
